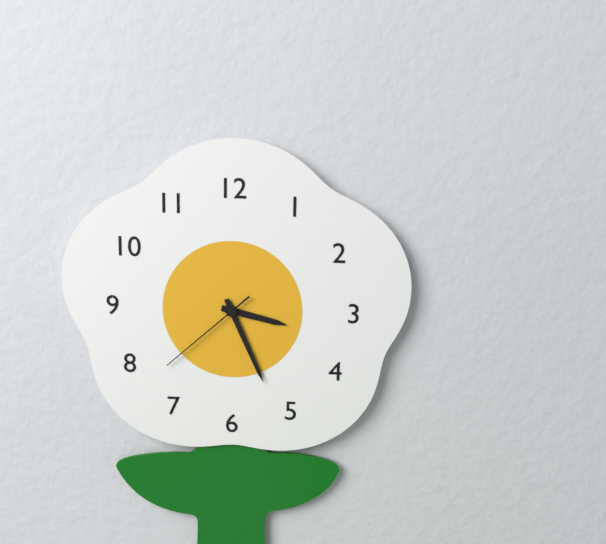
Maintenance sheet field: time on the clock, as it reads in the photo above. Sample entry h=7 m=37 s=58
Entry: h=3 m=26 s=38
